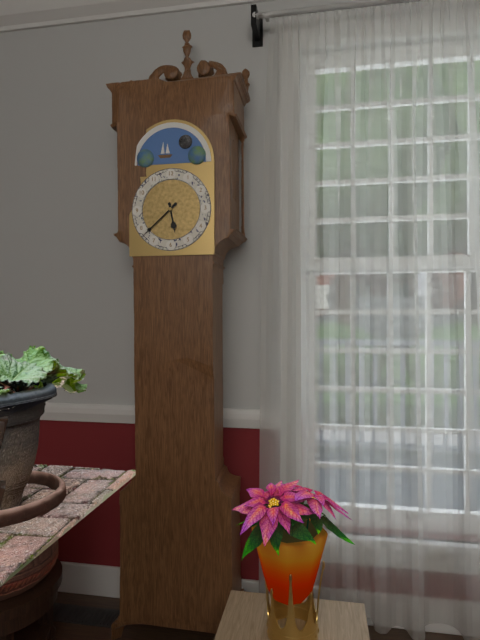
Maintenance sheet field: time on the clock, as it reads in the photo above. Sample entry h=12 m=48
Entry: h=5 m=38
